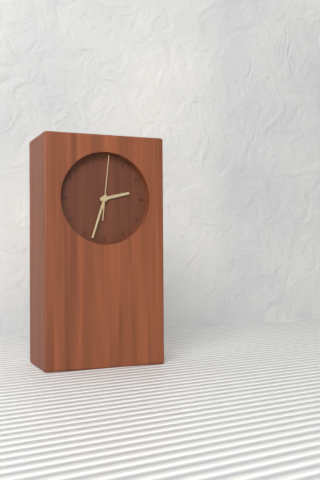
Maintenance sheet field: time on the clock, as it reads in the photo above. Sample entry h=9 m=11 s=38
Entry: h=2 m=33 s=1
